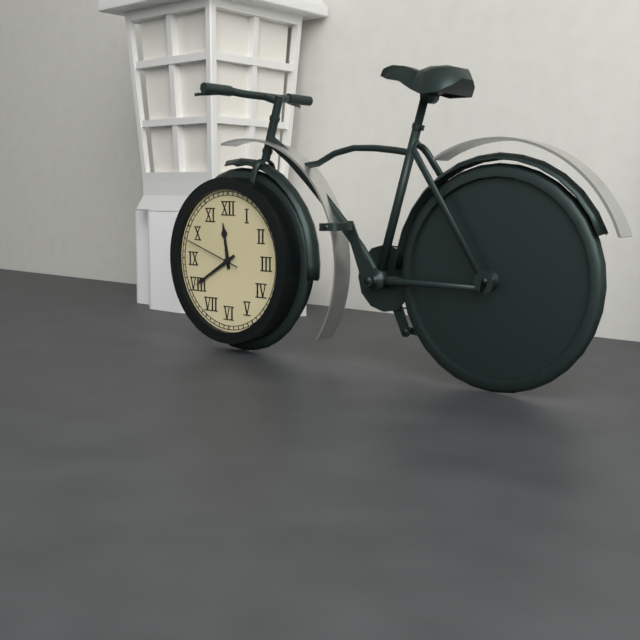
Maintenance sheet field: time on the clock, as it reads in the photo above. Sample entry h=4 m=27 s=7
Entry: h=11 m=40 s=48
